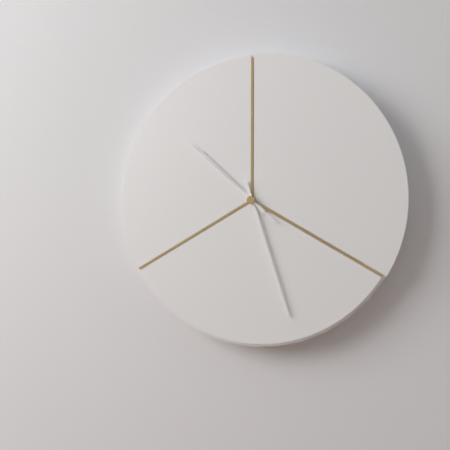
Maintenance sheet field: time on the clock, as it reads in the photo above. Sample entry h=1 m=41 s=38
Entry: h=10 m=27 s=52
